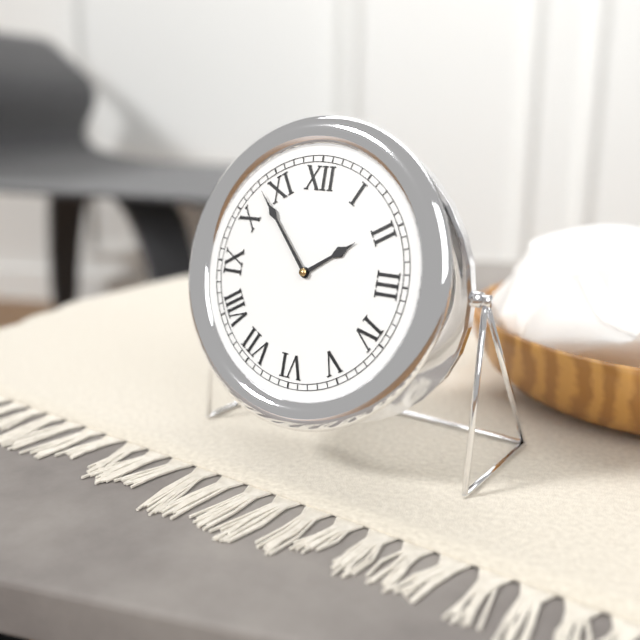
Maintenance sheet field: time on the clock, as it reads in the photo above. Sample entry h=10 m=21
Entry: h=1 m=53
